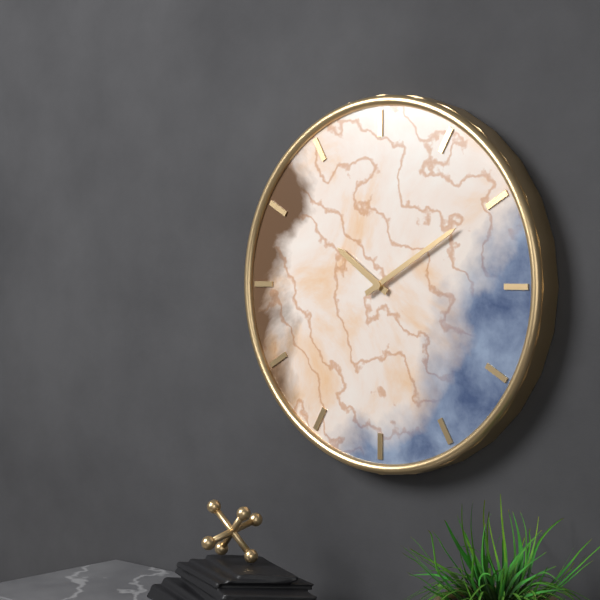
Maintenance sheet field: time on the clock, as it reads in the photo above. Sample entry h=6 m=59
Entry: h=10 m=10
